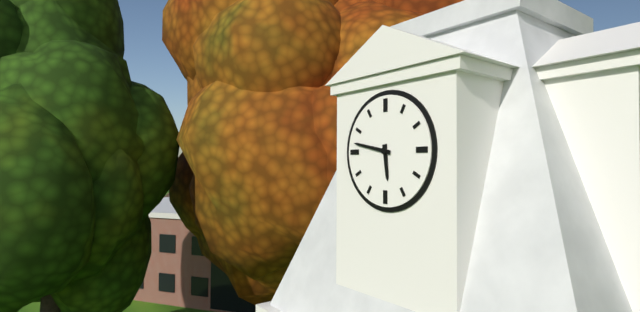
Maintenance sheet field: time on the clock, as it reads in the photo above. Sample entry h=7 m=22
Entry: h=5 m=47
